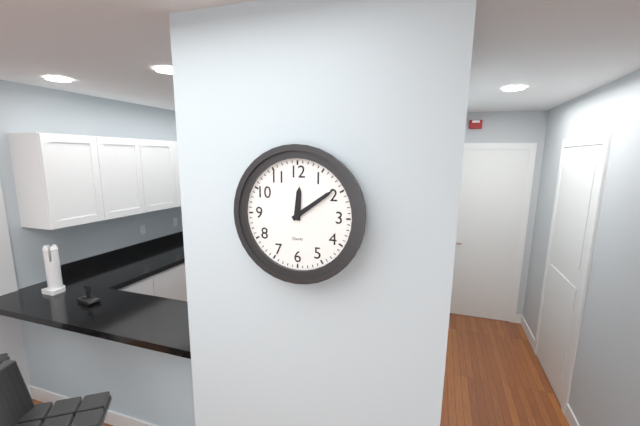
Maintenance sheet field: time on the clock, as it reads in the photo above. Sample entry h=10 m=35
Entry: h=12 m=9
